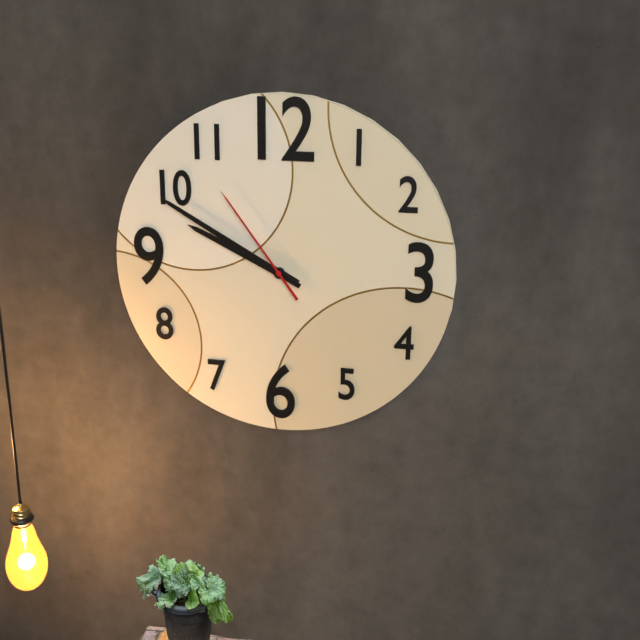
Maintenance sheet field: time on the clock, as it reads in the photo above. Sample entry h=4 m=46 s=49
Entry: h=9 m=50 s=54
